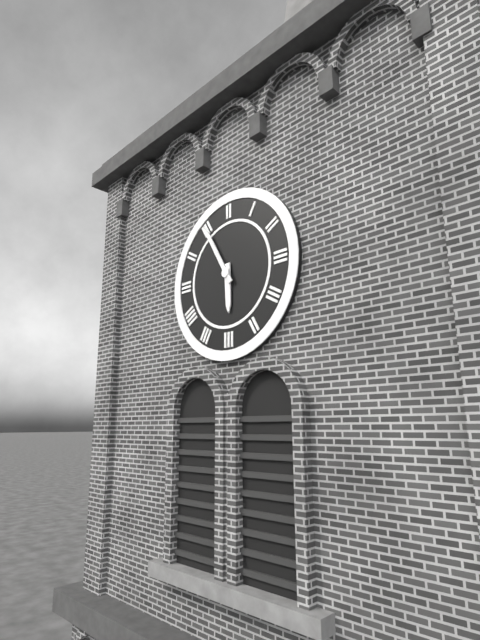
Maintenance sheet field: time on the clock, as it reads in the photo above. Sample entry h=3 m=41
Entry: h=5 m=55
